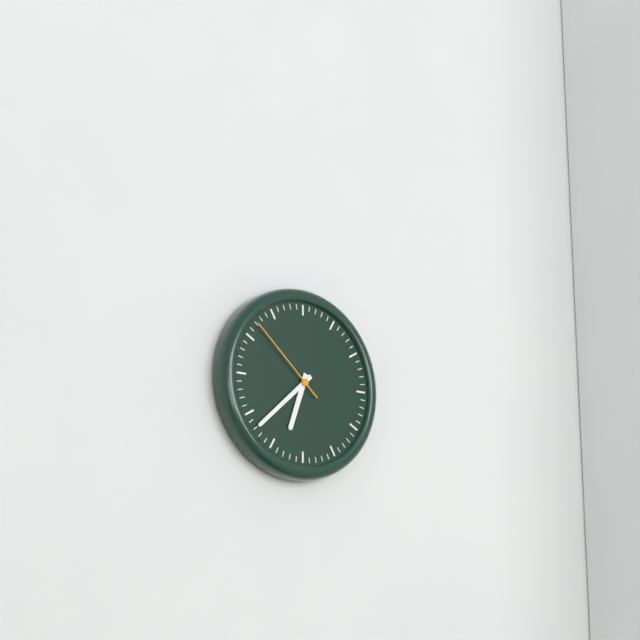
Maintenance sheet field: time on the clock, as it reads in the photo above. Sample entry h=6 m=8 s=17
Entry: h=6 m=38 s=52
